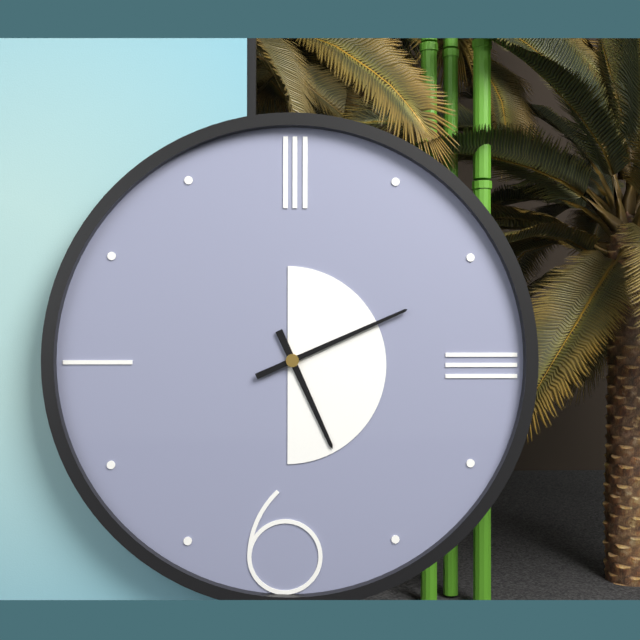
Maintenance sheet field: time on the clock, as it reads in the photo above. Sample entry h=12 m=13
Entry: h=5 m=11
